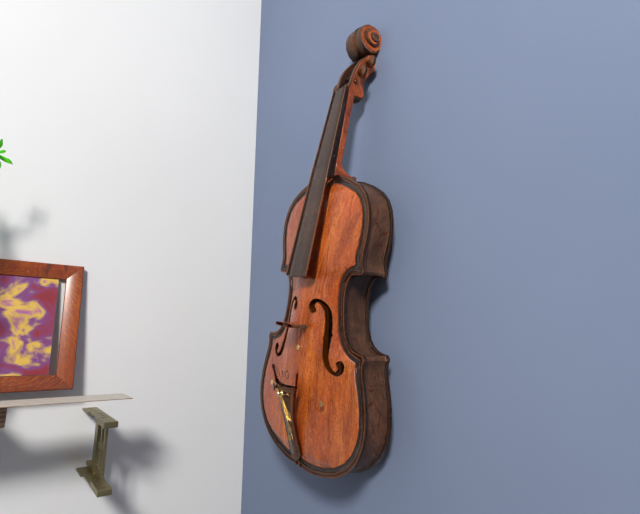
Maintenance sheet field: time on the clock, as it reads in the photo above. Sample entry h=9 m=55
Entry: h=4 m=23
